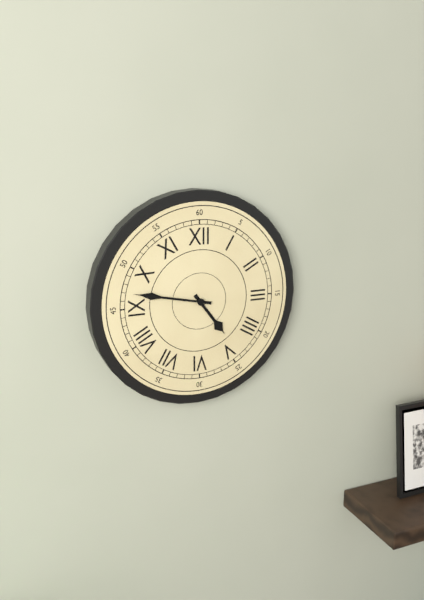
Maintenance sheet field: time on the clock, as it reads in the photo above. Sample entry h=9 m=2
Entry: h=4 m=47
